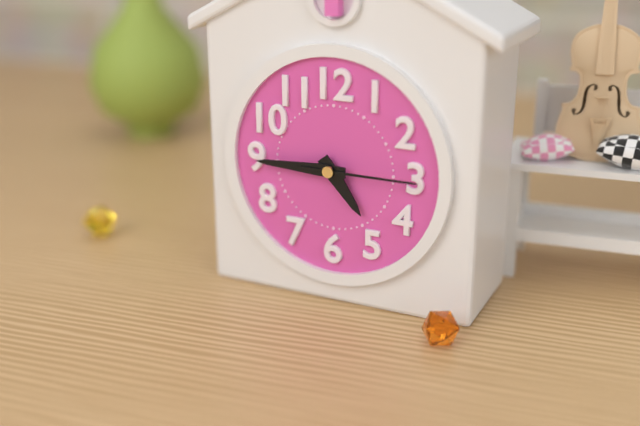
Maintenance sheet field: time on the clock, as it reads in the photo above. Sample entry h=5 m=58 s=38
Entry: h=4 m=45 s=15
